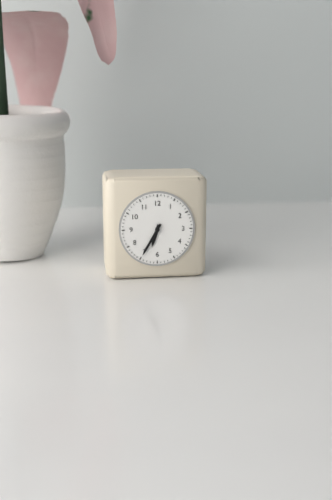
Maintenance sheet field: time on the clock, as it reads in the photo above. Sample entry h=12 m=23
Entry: h=6 m=35
